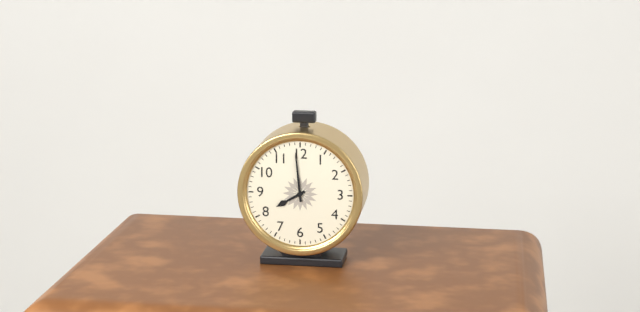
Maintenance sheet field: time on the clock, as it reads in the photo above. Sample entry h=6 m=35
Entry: h=7 m=59
